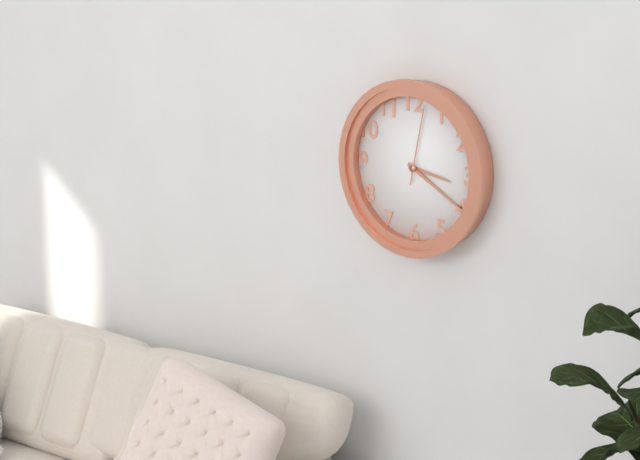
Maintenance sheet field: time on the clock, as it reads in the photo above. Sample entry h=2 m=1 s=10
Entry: h=3 m=20 s=2
